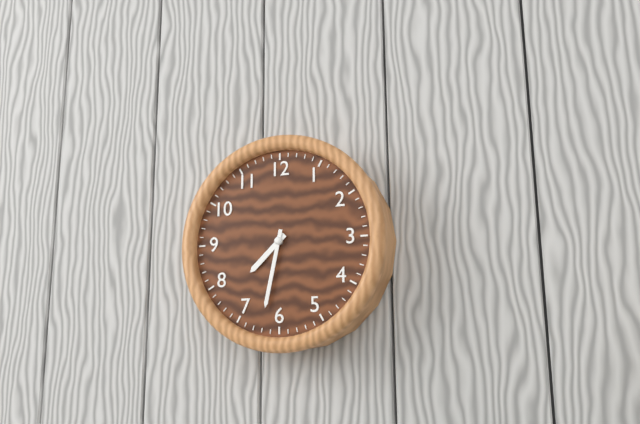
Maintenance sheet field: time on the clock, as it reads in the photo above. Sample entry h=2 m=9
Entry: h=7 m=32
